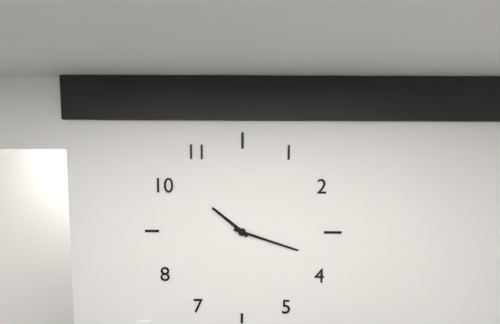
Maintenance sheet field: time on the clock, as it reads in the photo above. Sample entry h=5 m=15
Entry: h=10 m=18
